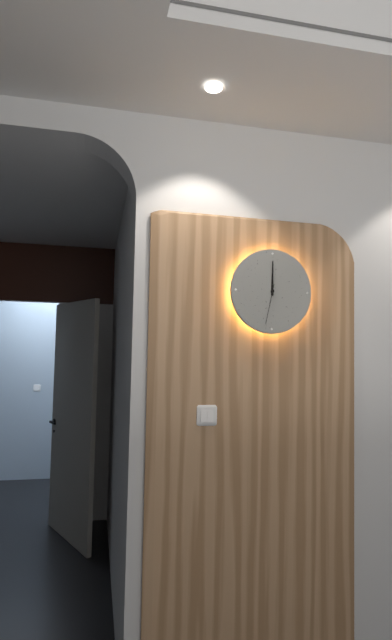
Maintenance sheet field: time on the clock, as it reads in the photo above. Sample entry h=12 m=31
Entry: h=12 m=0
